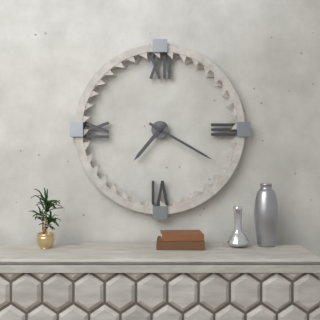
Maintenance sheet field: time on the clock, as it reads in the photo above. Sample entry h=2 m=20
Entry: h=7 m=20
